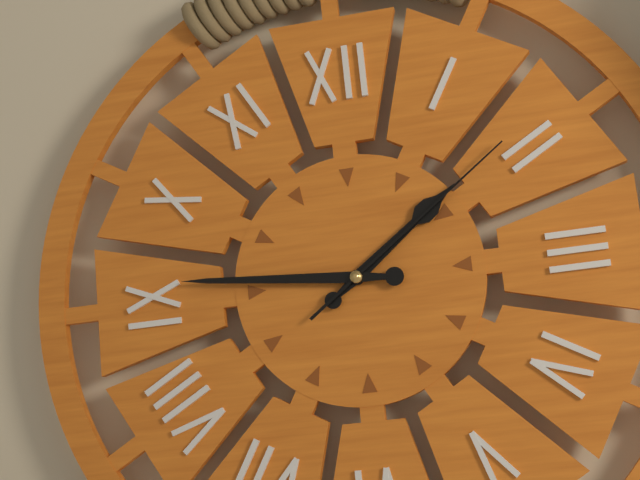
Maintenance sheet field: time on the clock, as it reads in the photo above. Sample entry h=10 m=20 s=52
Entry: h=1 m=46 s=9
